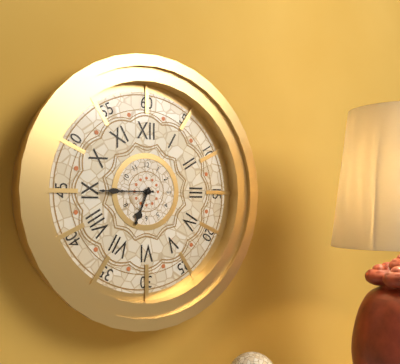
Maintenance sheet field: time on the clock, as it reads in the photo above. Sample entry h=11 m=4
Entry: h=6 m=45
